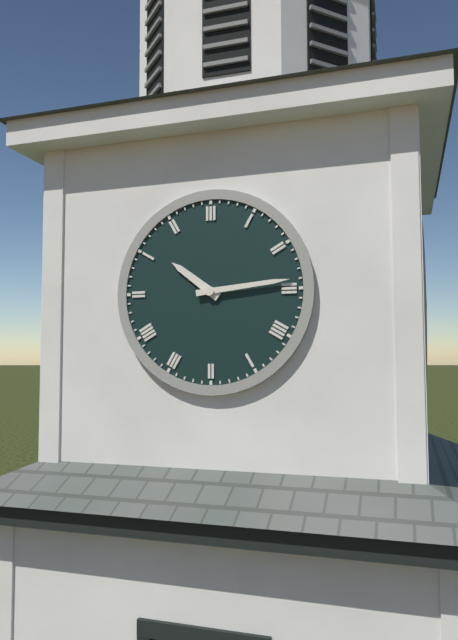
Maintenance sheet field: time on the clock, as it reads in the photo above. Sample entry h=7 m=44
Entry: h=10 m=14
